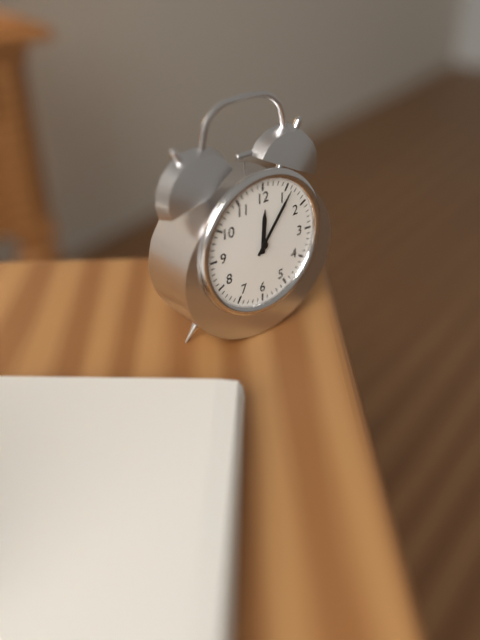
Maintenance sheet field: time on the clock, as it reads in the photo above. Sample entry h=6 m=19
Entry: h=12 m=6
